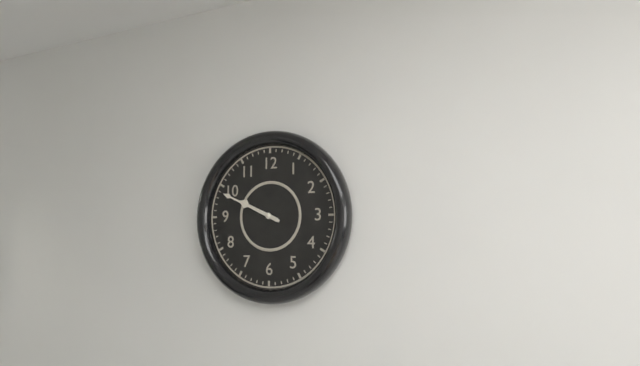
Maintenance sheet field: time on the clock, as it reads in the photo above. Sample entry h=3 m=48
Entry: h=9 m=49
